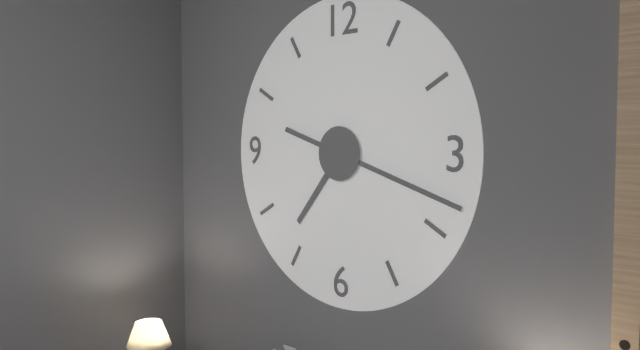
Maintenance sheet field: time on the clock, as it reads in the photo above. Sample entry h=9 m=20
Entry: h=7 m=18
